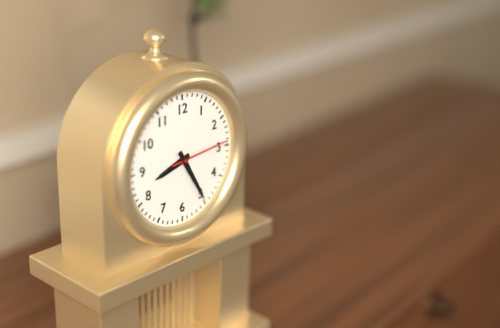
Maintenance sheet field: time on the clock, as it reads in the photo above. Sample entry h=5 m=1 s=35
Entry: h=8 m=25 s=14
